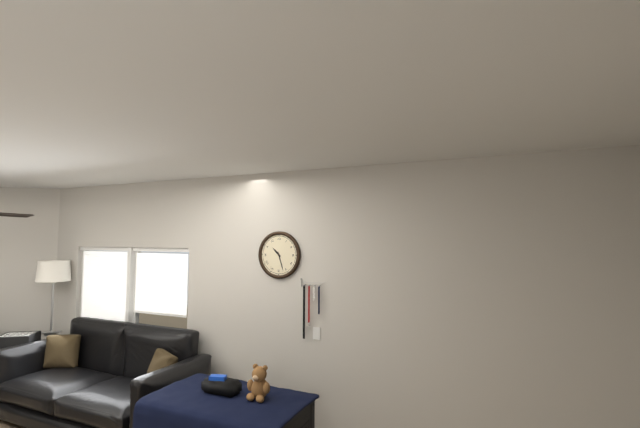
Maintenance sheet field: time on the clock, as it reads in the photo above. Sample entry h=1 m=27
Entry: h=10 m=27
